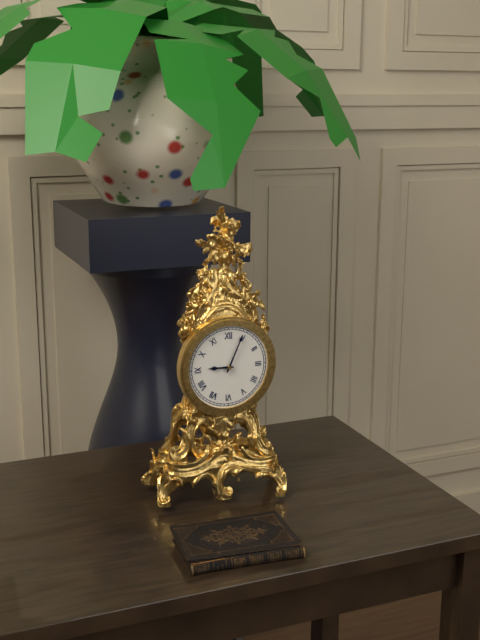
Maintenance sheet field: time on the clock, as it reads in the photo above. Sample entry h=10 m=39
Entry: h=9 m=4
